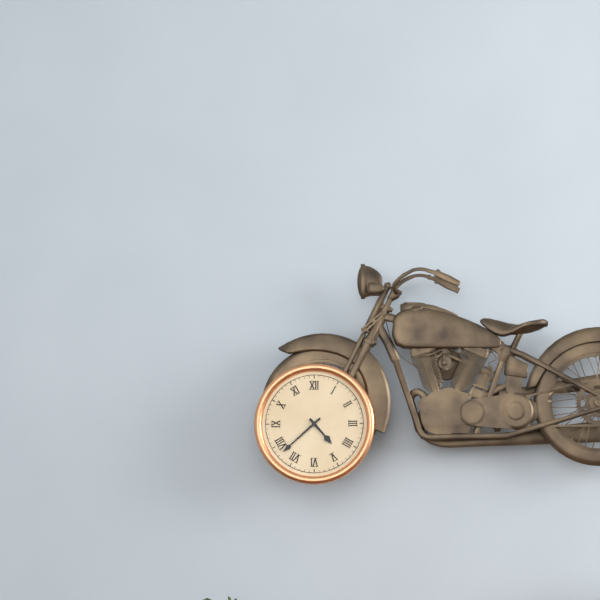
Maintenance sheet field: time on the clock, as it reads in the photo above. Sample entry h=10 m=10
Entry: h=4 m=38
